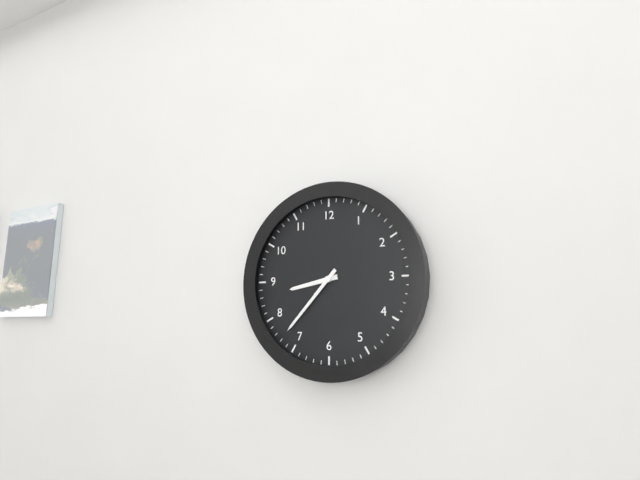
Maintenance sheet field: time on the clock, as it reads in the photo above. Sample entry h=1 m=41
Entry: h=8 m=37
